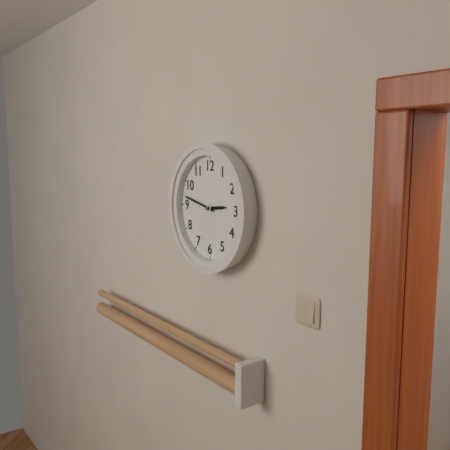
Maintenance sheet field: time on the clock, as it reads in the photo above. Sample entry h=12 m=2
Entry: h=2 m=47
